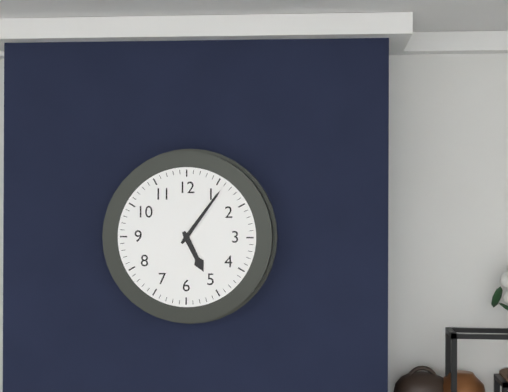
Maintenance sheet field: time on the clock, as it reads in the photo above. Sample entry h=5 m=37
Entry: h=5 m=6
